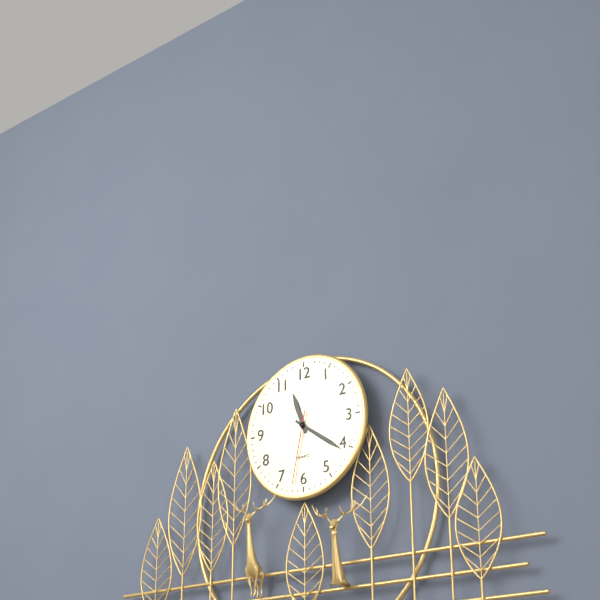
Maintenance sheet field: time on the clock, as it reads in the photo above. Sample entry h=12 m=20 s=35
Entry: h=11 m=21 s=32
